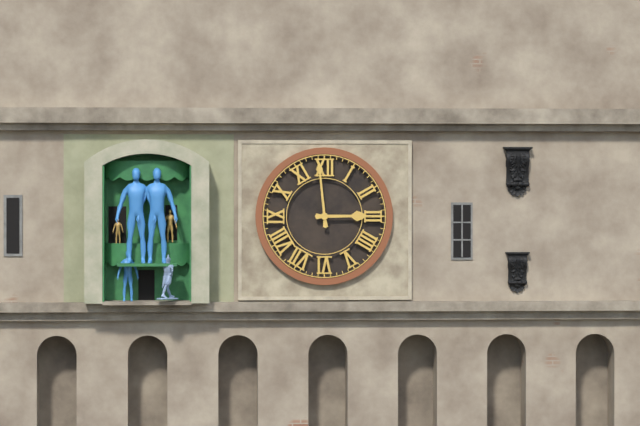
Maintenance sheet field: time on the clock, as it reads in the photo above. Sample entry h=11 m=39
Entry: h=2 m=59
